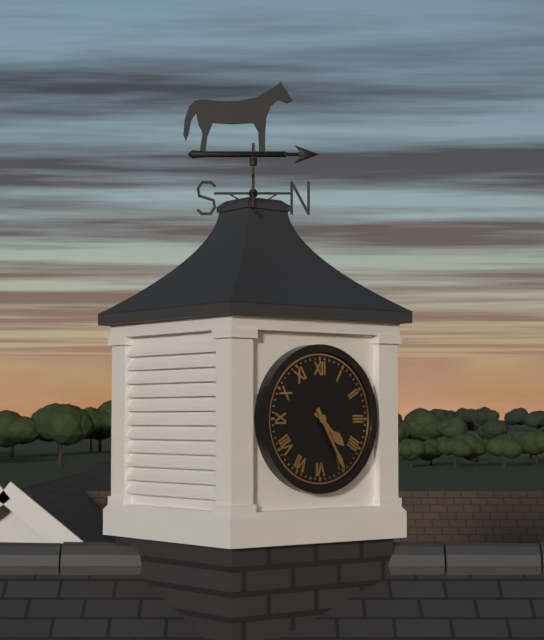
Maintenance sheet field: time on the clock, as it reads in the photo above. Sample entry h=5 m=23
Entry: h=4 m=25
